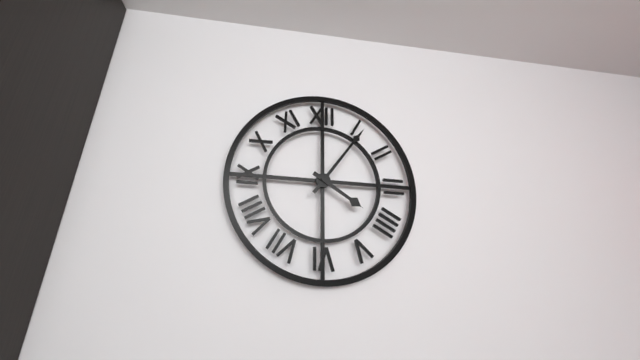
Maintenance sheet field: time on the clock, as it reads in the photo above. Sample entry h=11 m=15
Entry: h=4 m=6
